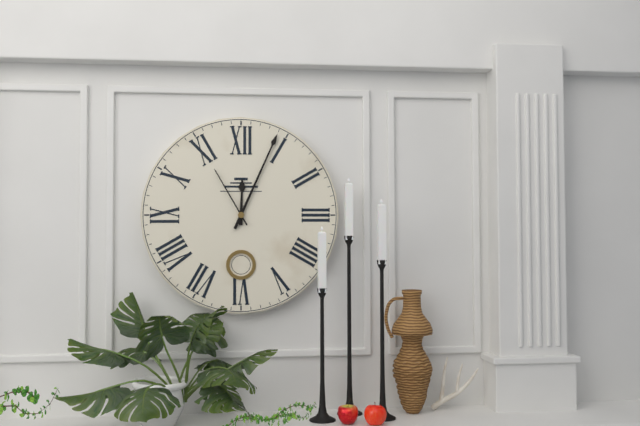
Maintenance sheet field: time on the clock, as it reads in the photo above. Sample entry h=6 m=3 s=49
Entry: h=12 m=4 s=55
